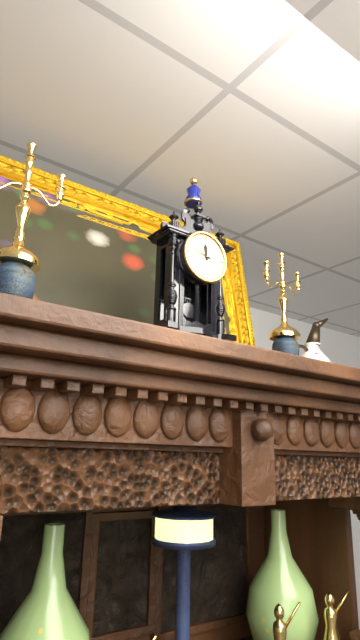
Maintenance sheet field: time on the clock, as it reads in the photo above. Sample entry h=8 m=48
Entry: h=11 m=47
